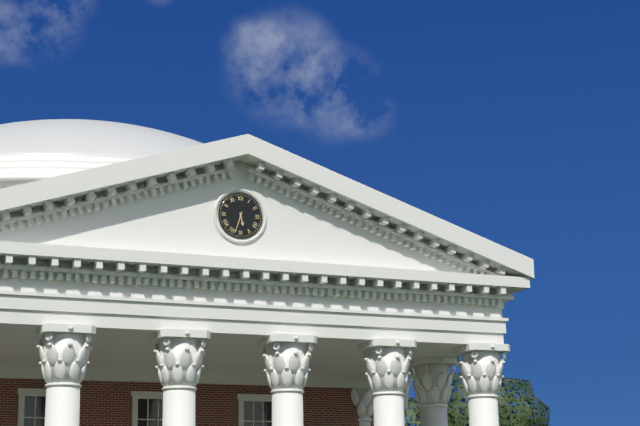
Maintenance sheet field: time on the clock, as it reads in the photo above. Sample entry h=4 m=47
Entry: h=5 m=33
